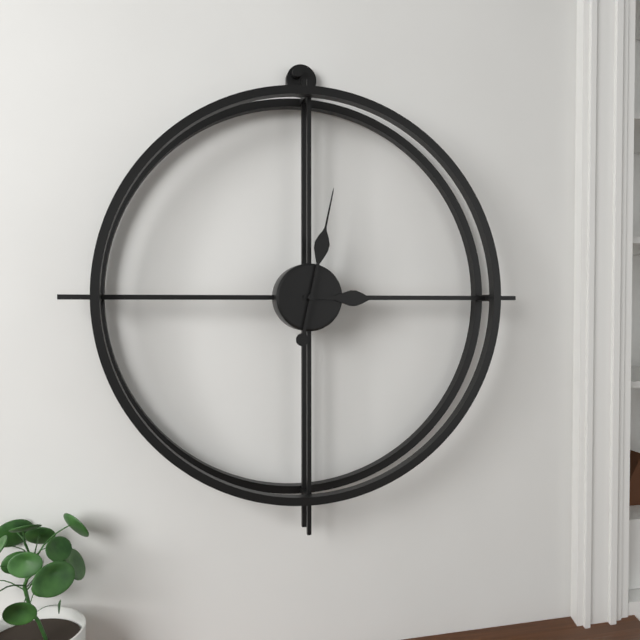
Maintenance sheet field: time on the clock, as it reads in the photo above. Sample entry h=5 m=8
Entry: h=3 m=2
